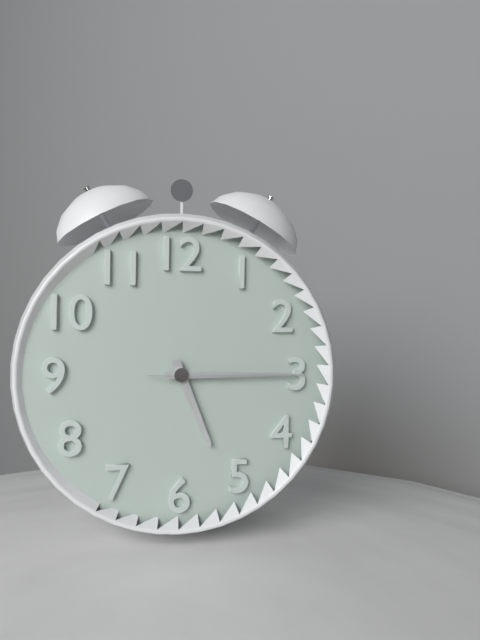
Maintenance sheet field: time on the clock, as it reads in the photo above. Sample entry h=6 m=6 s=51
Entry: h=5 m=15 s=15
